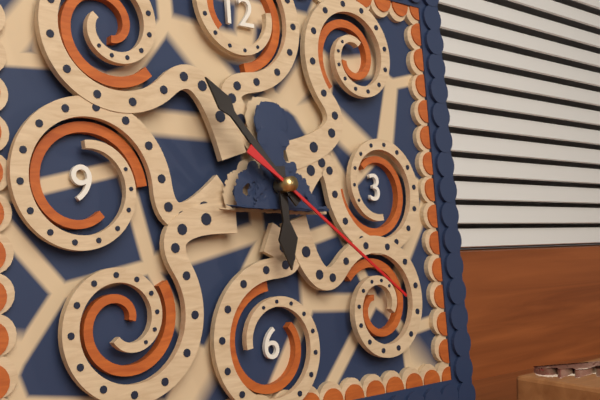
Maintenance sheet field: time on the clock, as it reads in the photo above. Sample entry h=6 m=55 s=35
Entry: h=5 m=53 s=21
